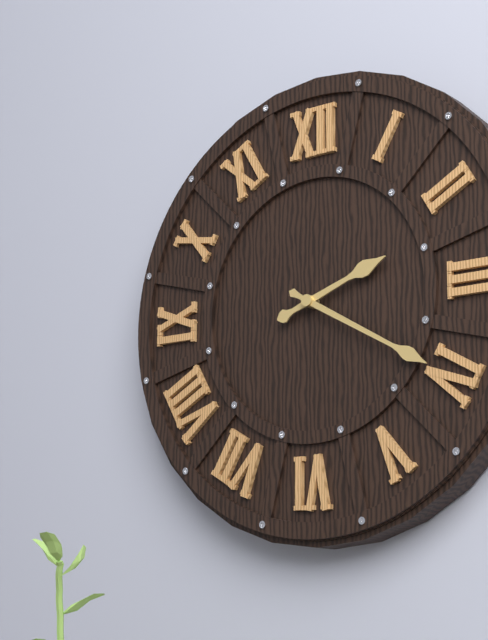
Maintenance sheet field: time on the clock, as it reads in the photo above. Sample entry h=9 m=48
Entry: h=2 m=20
